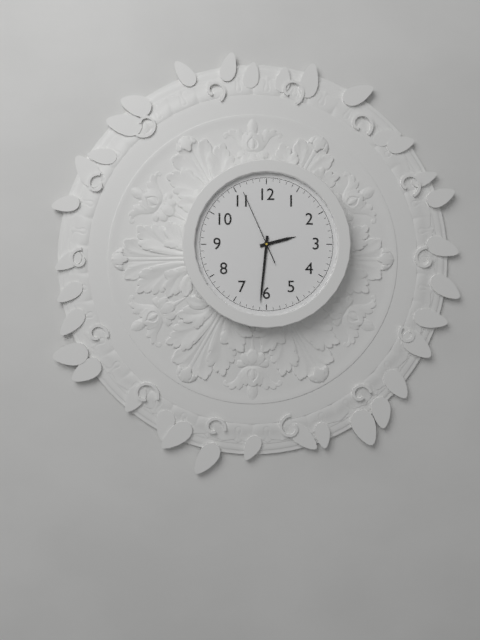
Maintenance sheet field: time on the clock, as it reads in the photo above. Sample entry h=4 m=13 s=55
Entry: h=2 m=31 s=56
